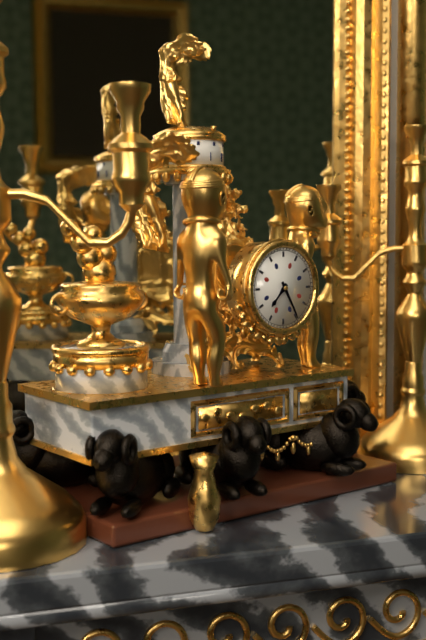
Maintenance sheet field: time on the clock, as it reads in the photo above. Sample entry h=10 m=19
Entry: h=7 m=25
